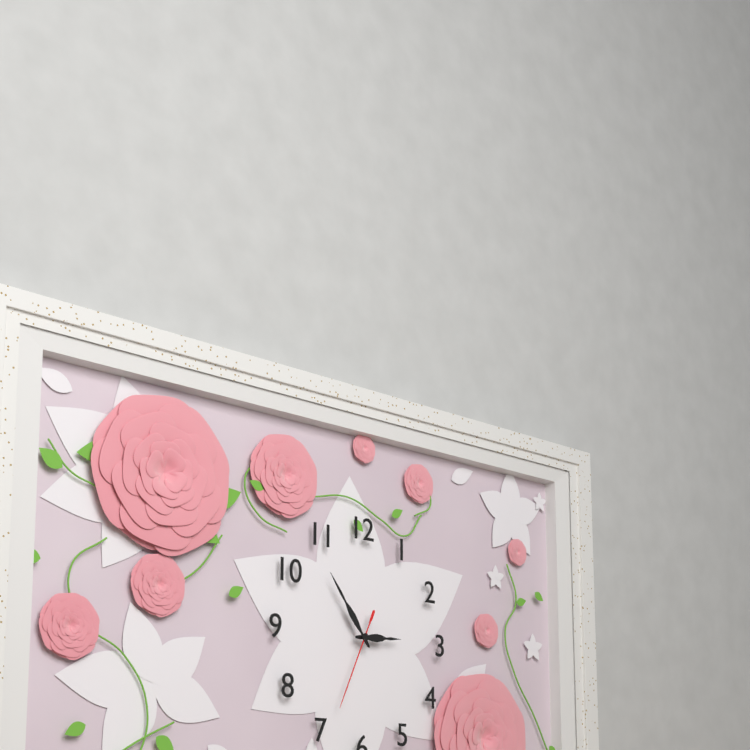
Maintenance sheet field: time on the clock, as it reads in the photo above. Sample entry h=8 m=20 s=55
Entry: h=2 m=54 s=34
